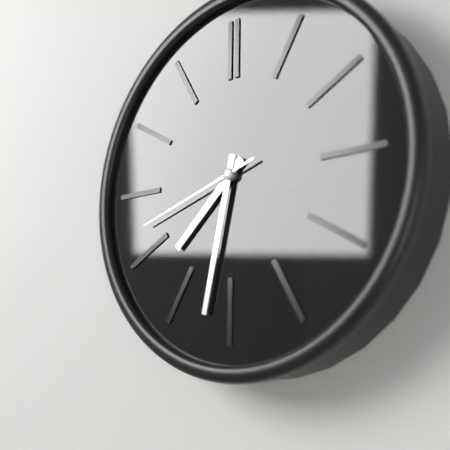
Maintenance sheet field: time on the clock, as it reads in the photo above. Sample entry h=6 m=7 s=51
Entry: h=7 m=32 s=42
